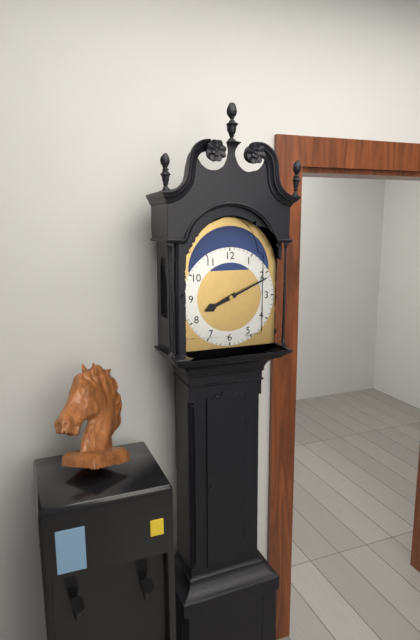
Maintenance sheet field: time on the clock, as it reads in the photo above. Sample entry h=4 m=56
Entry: h=8 m=11
